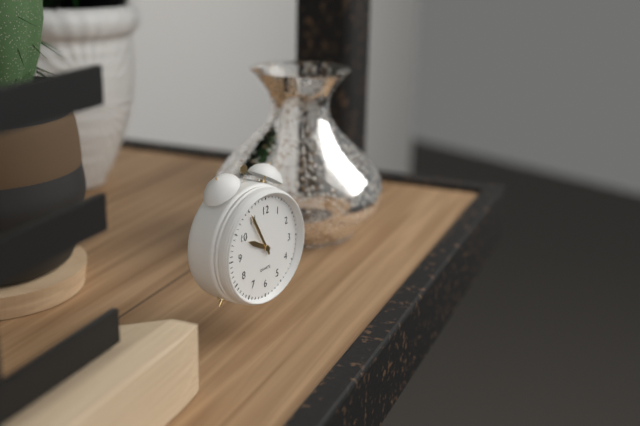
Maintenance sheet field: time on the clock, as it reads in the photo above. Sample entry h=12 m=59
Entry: h=9 m=55
